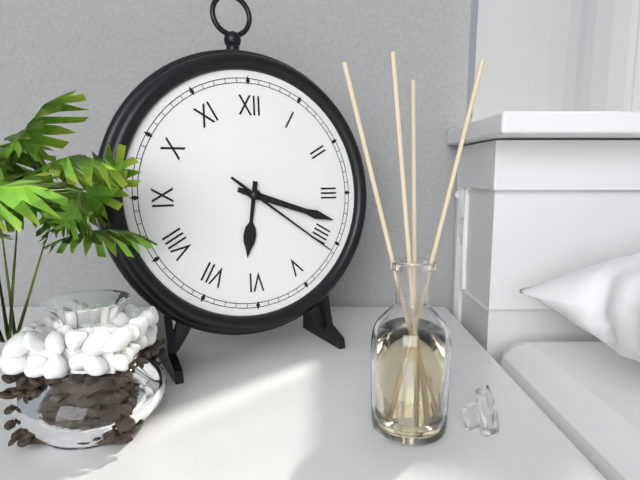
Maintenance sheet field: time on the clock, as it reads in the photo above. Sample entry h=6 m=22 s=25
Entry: h=6 m=18 s=21
